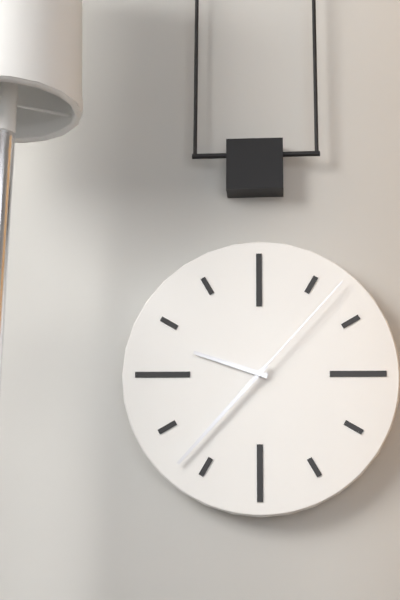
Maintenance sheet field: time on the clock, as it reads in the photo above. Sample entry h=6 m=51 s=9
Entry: h=9 m=37 s=7
